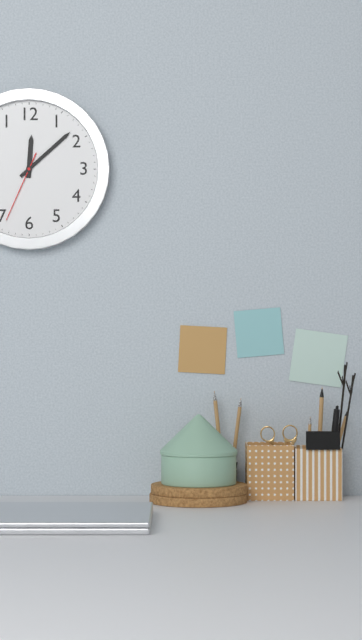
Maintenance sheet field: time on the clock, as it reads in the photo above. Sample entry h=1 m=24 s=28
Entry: h=12 m=8 s=34
